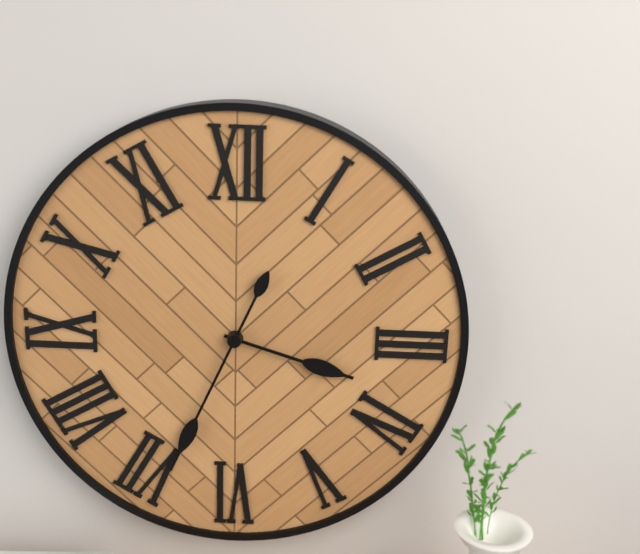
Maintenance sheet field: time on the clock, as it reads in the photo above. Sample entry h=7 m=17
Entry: h=3 m=34
